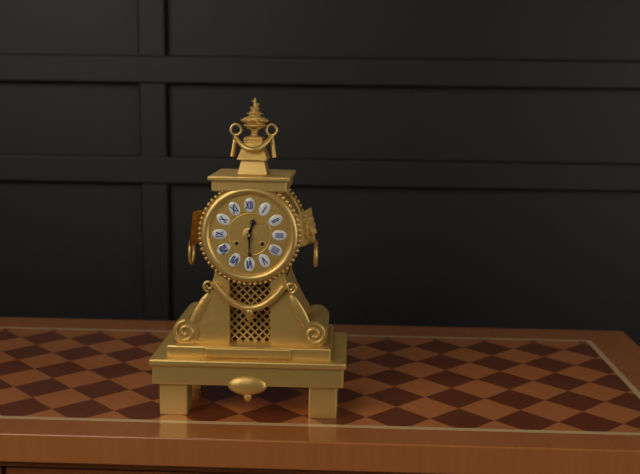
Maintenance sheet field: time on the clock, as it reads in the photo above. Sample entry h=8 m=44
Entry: h=12 m=30
